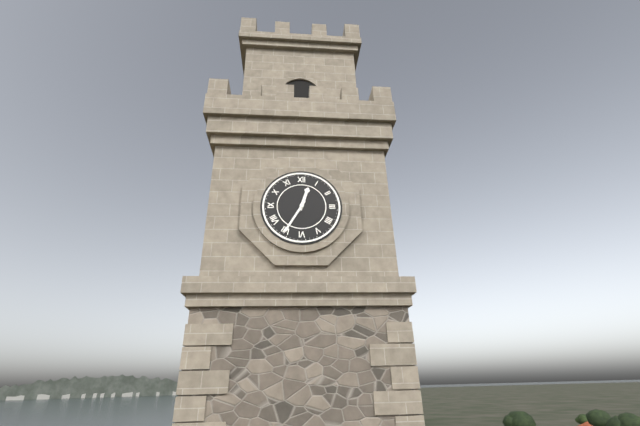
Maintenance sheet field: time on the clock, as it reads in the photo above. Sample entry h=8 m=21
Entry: h=12 m=35
